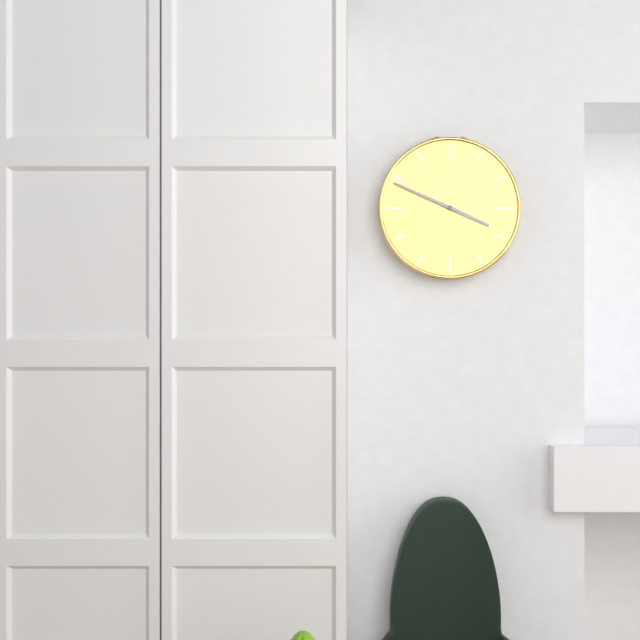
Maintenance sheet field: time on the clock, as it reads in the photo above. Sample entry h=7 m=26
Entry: h=3 m=49
